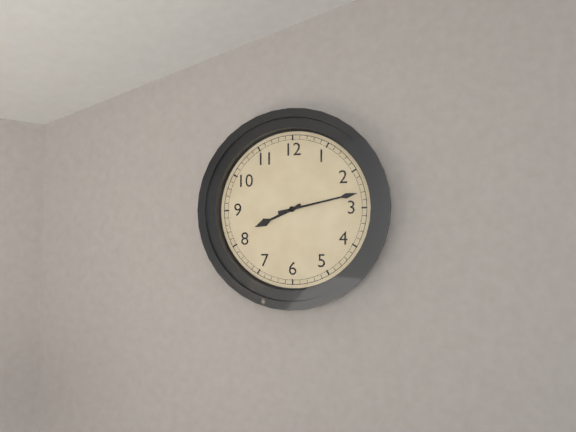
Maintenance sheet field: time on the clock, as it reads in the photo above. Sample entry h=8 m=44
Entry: h=8 m=13
